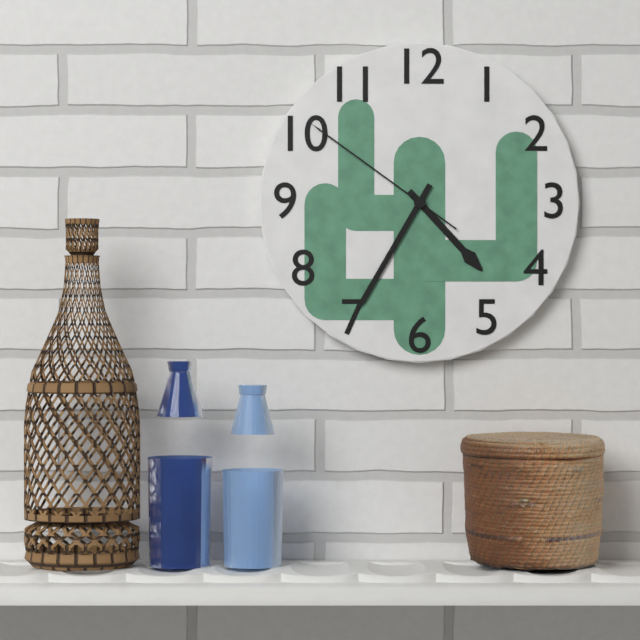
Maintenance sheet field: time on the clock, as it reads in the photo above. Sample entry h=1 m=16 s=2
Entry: h=4 m=35 s=51
